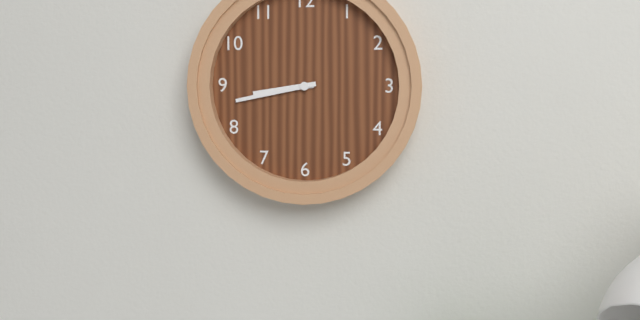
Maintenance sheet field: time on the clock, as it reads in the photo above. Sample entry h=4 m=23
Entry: h=8 m=43
